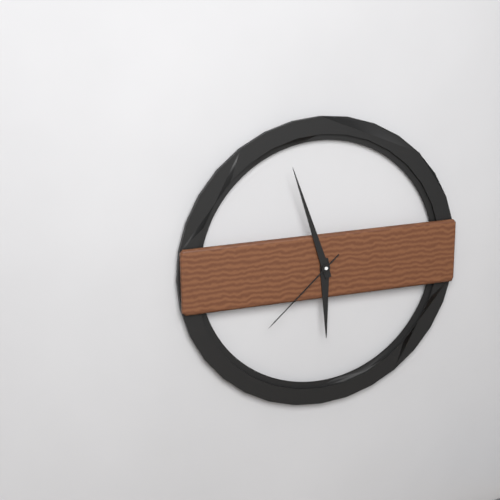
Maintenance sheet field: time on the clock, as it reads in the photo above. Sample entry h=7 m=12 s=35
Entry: h=5 m=57 s=38
